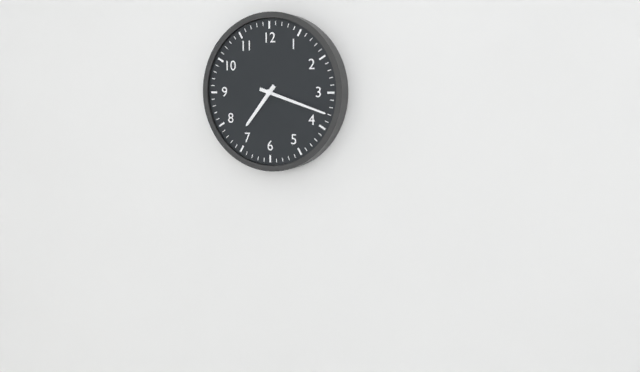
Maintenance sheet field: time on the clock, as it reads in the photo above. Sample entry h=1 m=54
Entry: h=7 m=18
